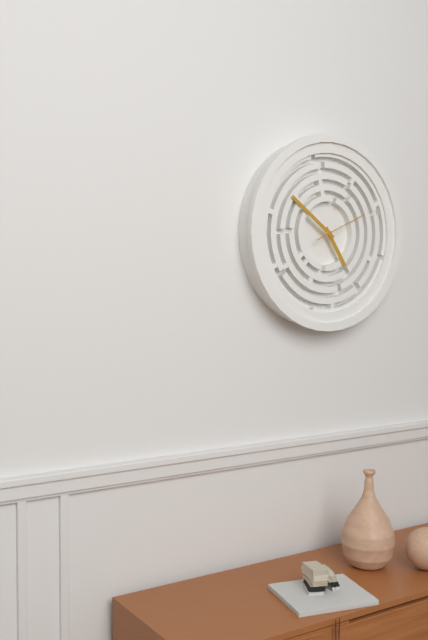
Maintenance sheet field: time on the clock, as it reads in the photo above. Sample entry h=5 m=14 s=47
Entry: h=4 m=51 s=11
